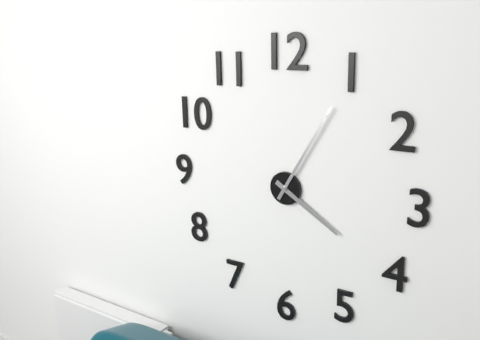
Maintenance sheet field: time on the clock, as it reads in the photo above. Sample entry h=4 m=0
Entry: h=4 m=5
